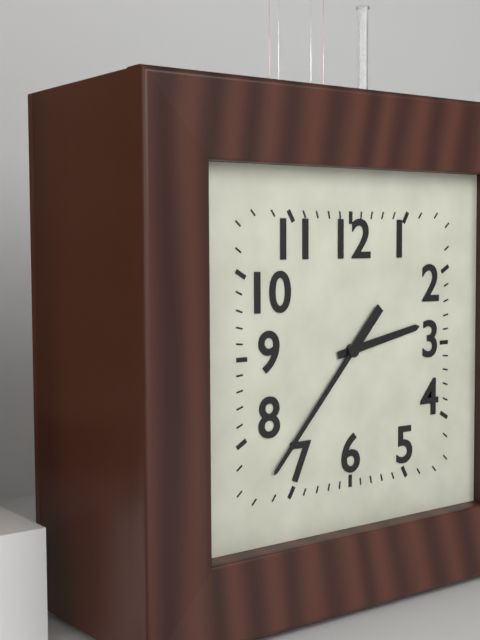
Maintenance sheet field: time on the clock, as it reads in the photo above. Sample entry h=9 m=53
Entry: h=2 m=37
